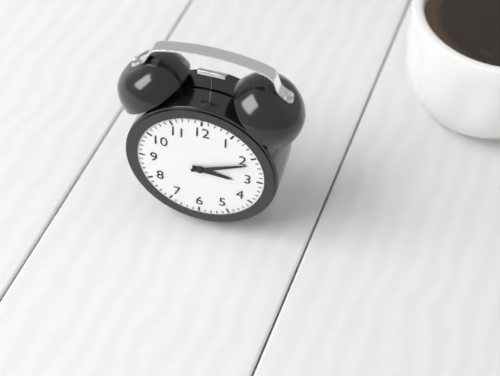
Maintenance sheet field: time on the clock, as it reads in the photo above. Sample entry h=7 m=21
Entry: h=3 m=11
